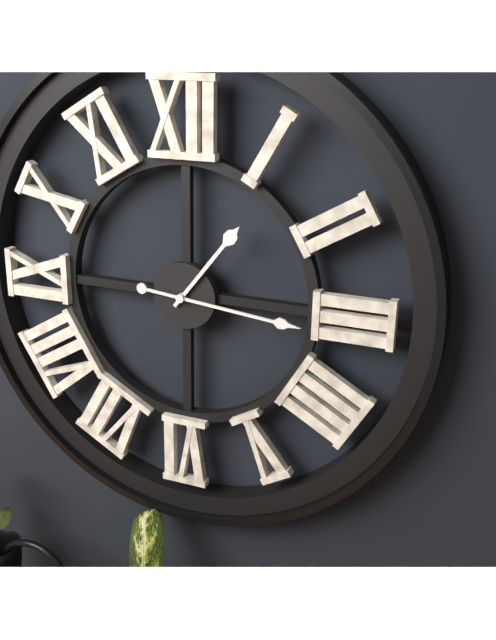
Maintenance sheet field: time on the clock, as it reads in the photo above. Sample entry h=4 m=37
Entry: h=1 m=16
